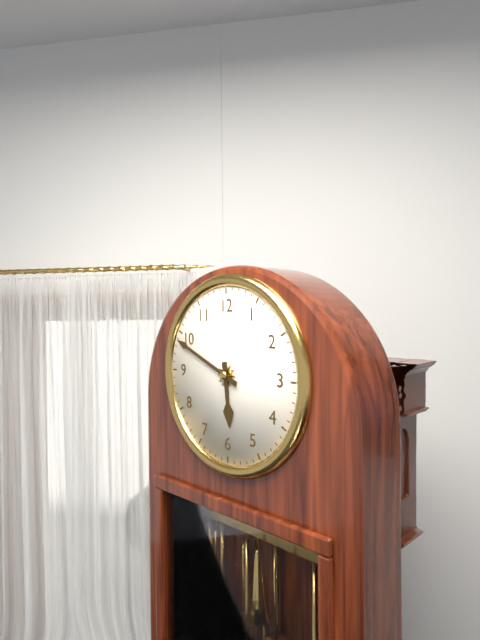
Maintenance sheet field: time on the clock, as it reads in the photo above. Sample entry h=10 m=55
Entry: h=5 m=49
